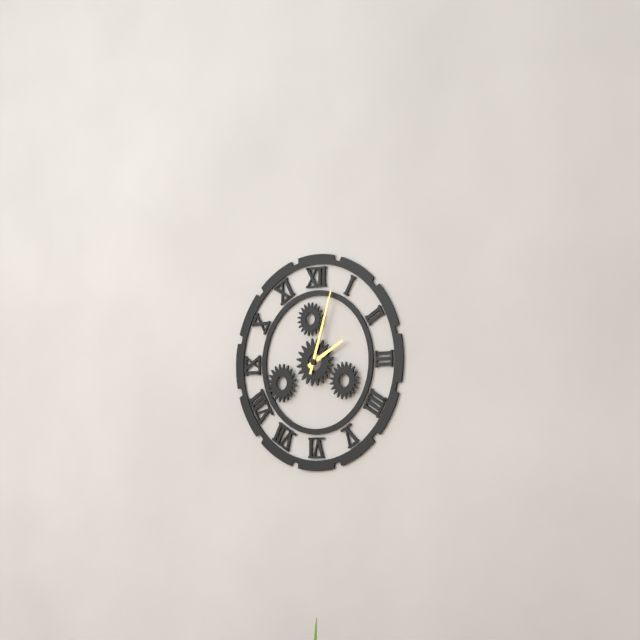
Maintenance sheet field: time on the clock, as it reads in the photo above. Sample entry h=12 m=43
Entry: h=2 m=3
